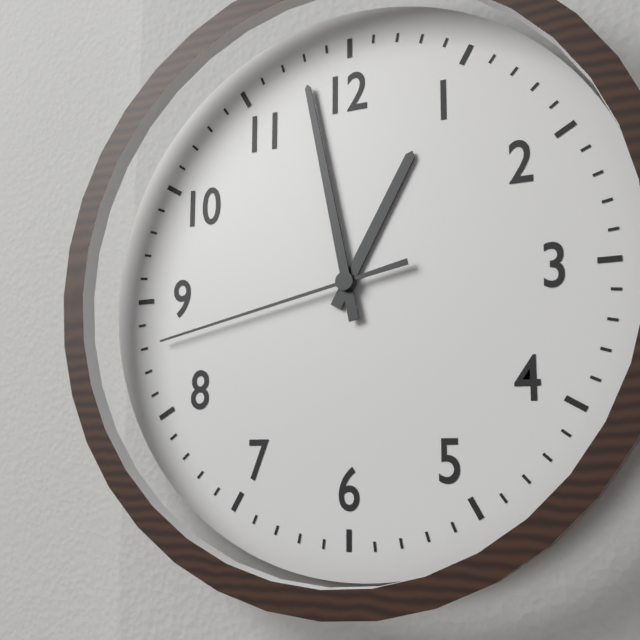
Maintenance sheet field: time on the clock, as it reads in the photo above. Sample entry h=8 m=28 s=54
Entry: h=12 m=58 s=43
